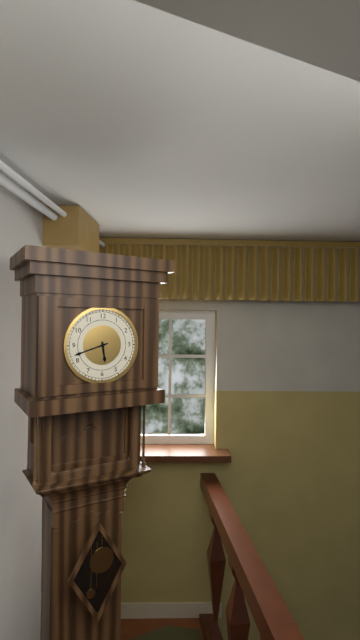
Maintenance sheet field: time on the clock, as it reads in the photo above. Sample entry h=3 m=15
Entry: h=5 m=42
